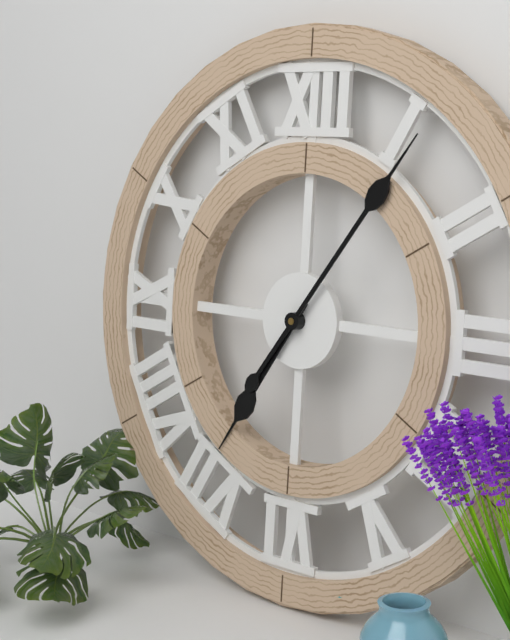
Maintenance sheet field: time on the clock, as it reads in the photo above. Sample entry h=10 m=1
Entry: h=7 m=6
